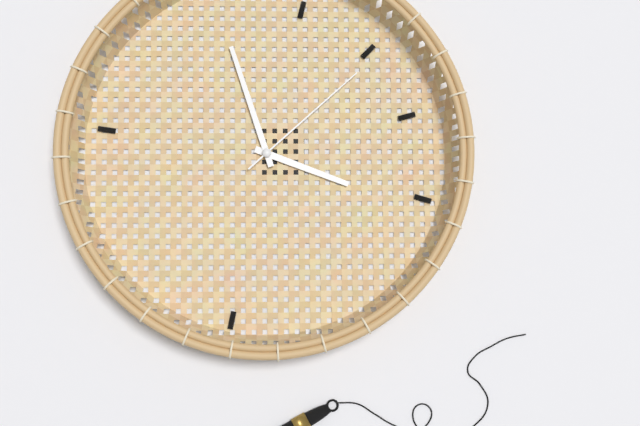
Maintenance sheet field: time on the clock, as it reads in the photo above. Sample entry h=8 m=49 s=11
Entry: h=12 m=42 s=53
